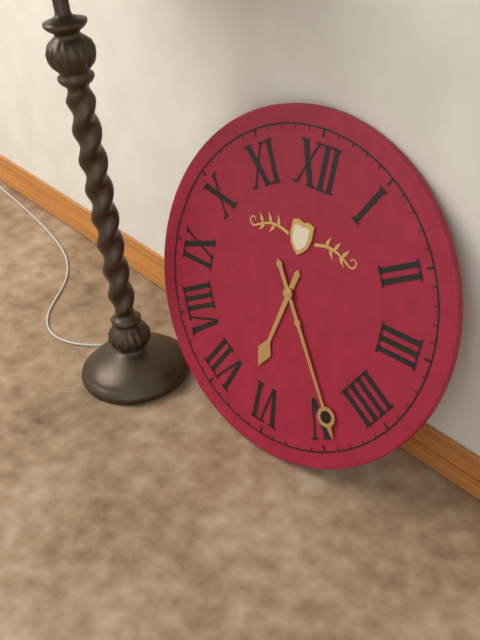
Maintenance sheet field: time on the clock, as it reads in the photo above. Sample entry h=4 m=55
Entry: h=6 m=24
